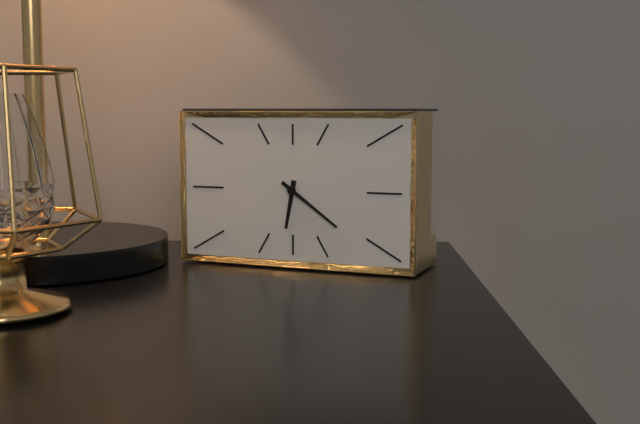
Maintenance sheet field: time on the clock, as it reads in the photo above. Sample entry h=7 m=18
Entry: h=6 m=21
